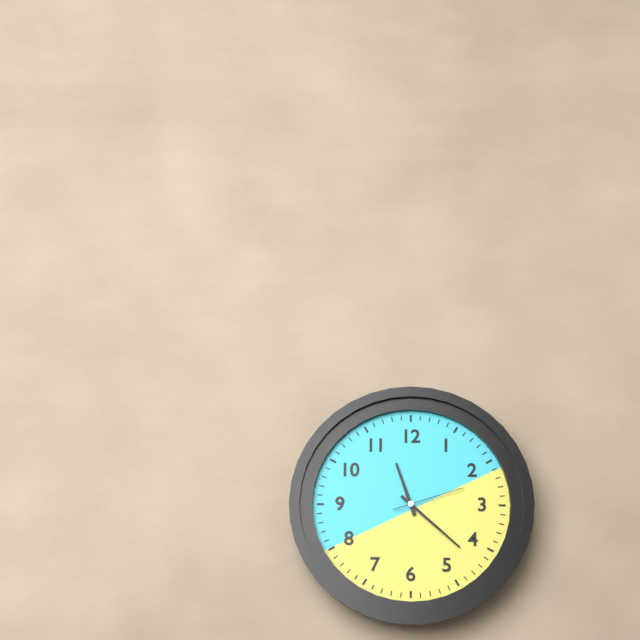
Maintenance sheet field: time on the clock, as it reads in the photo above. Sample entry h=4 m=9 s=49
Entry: h=11 m=22 s=12
